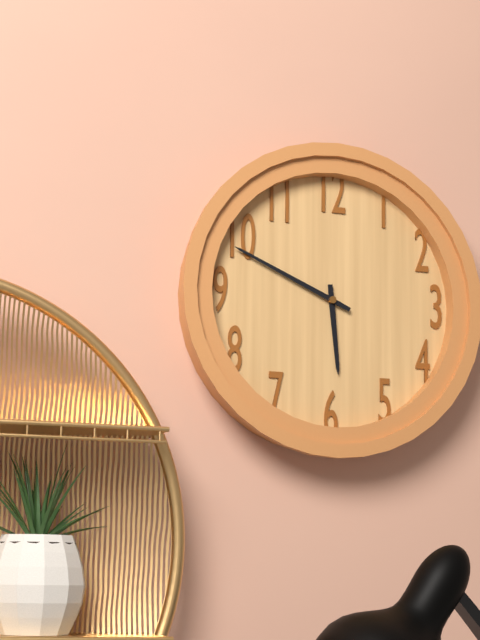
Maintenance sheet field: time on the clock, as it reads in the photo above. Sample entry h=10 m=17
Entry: h=5 m=49
